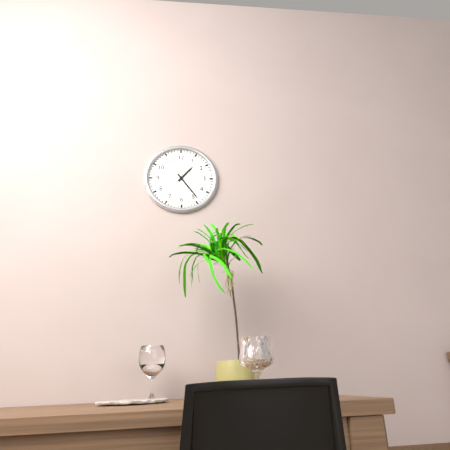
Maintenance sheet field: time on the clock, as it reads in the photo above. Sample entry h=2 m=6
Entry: h=1 m=24
